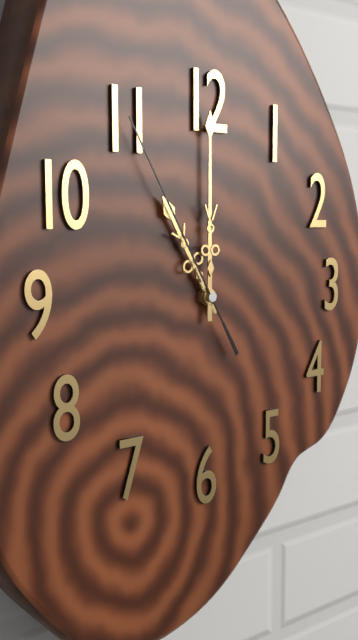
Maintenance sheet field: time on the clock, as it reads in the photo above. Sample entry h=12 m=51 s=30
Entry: h=11 m=0 s=55
